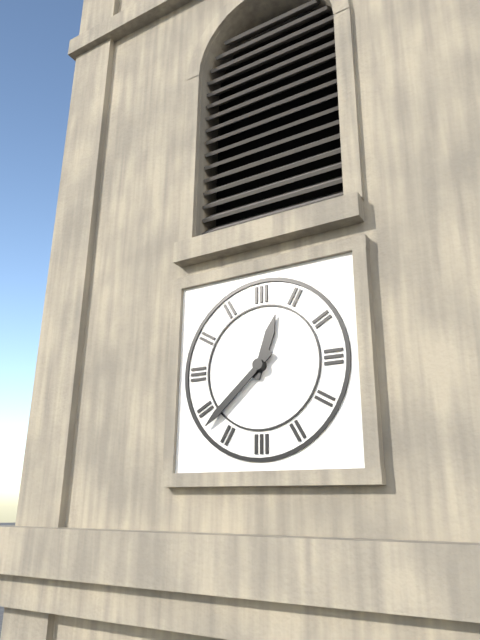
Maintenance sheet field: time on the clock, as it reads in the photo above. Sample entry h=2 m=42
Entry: h=12 m=38
